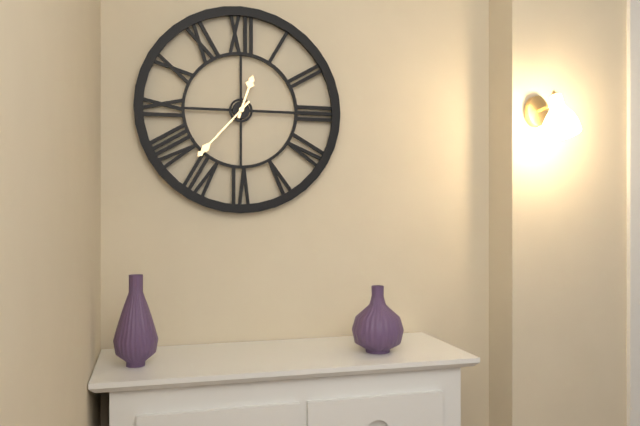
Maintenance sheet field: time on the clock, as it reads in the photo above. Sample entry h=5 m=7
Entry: h=12 m=37
